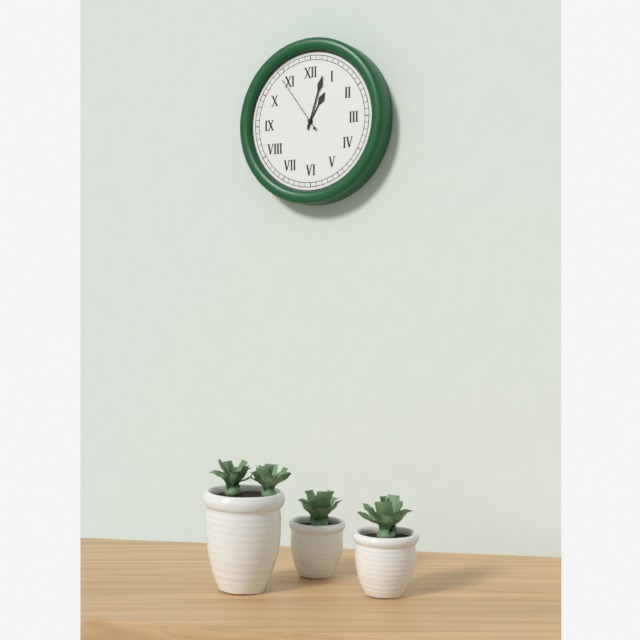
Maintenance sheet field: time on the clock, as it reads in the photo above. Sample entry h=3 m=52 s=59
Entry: h=1 m=3 s=54
